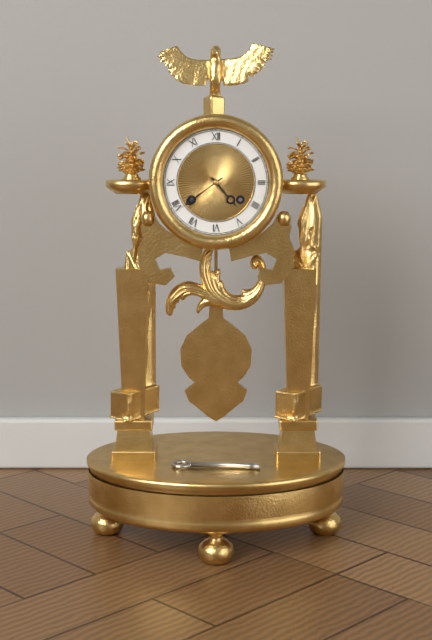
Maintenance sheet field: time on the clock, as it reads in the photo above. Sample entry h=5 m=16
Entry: h=4 m=39
